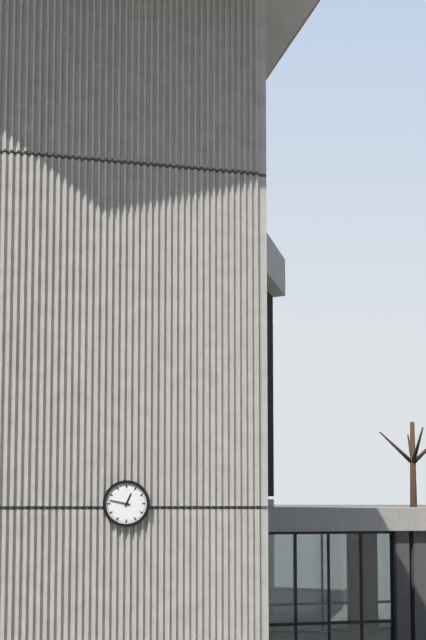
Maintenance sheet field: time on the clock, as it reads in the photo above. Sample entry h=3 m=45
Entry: h=12 m=47
